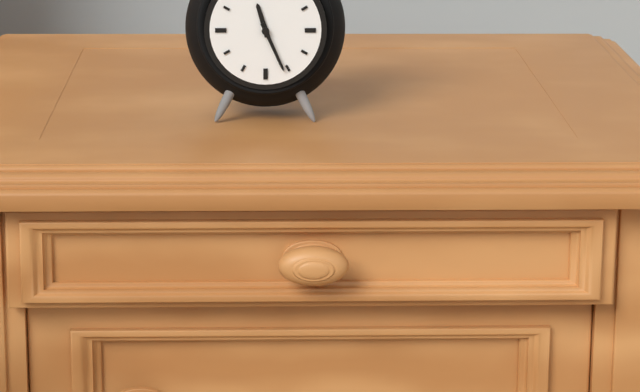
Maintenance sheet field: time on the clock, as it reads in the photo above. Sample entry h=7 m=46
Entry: h=11 m=26
